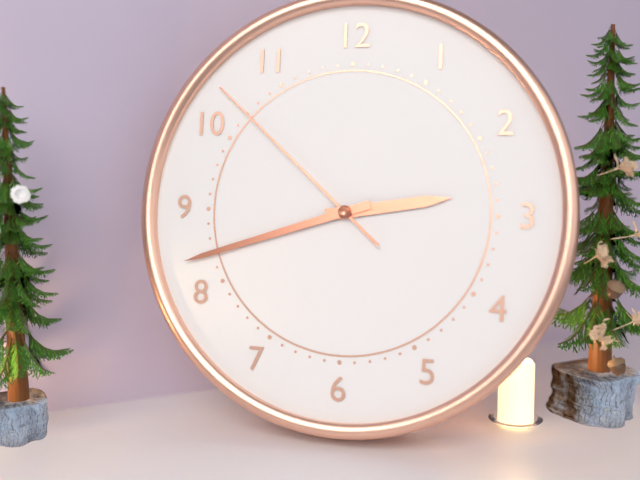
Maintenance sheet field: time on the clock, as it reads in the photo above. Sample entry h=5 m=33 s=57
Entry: h=2 m=42 s=52
